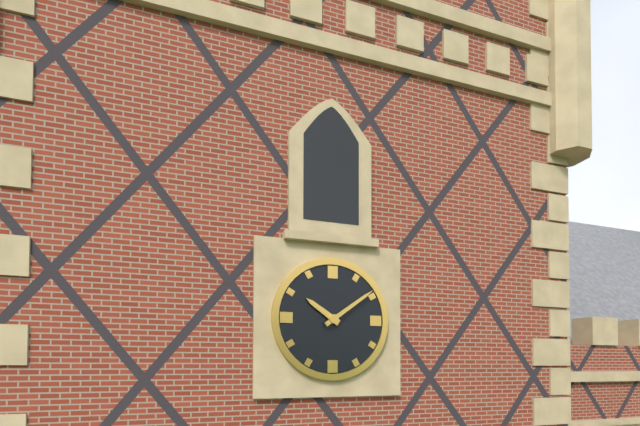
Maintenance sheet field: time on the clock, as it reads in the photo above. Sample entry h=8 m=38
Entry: h=10 m=9
